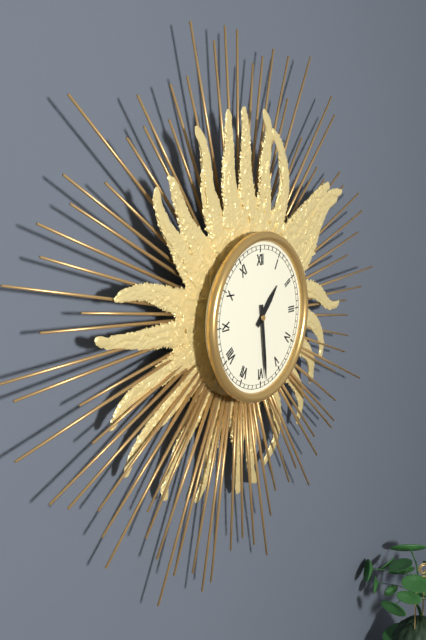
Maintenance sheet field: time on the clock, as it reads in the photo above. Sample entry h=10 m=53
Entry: h=1 m=29
